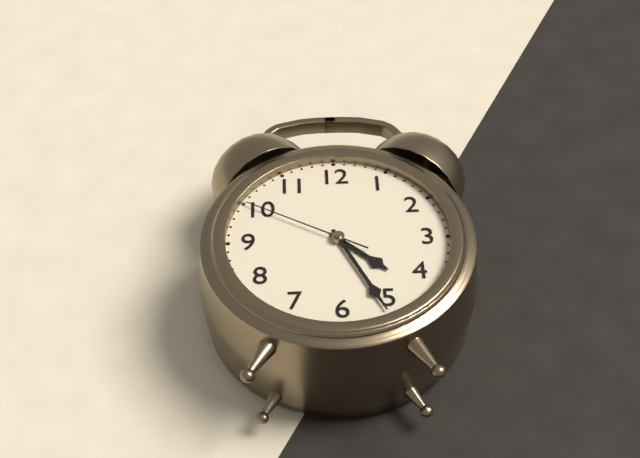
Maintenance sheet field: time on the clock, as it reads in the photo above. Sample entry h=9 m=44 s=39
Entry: h=4 m=26 s=50
